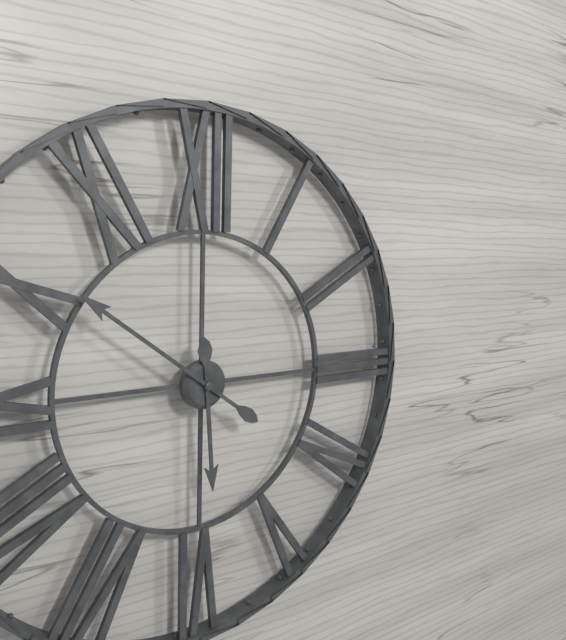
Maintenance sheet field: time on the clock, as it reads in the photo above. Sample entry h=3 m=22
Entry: h=5 m=51
